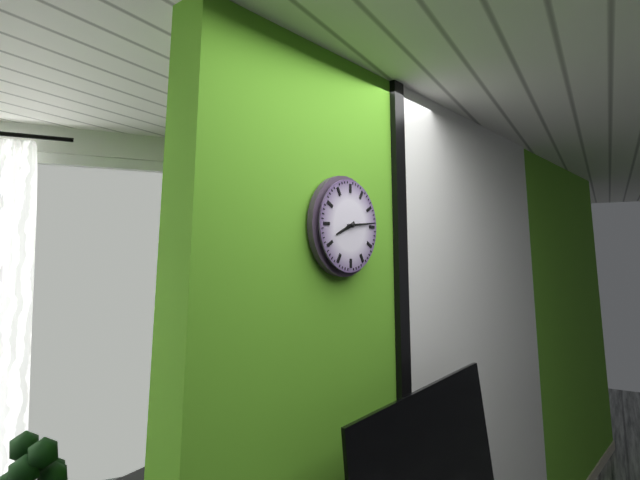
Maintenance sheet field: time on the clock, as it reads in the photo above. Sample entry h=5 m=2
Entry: h=8 m=14
